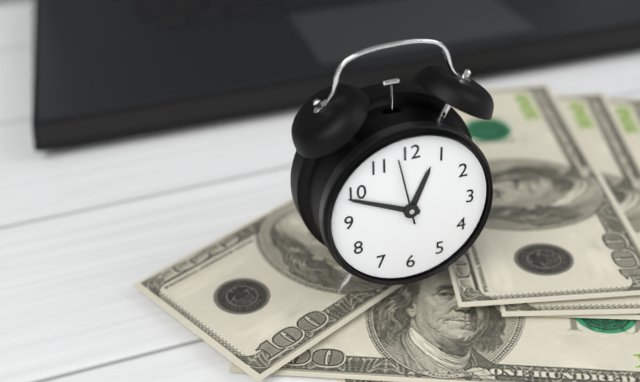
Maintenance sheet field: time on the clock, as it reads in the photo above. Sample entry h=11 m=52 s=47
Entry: h=12 m=49 s=58
